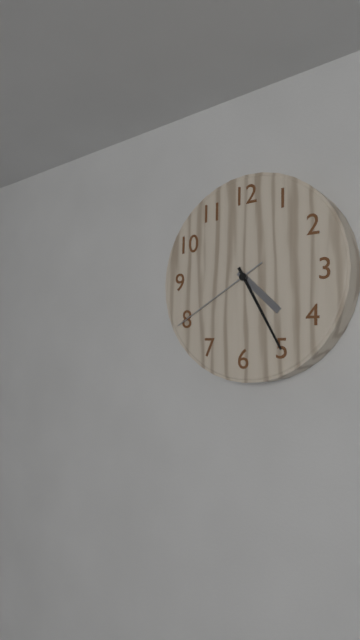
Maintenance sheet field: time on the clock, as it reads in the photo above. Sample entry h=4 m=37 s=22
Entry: h=4 m=25 s=40
